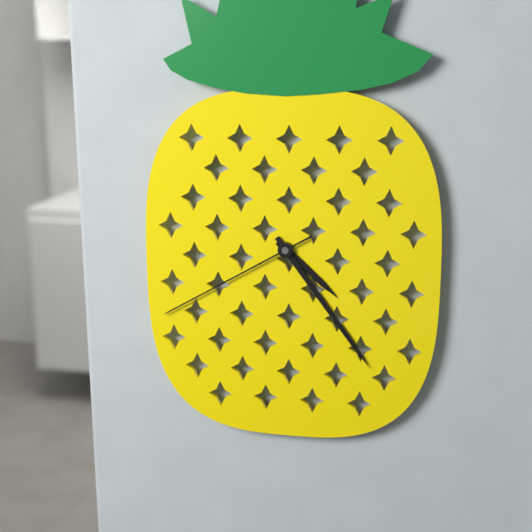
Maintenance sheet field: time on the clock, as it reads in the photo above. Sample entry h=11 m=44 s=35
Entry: h=4 m=24 s=40
